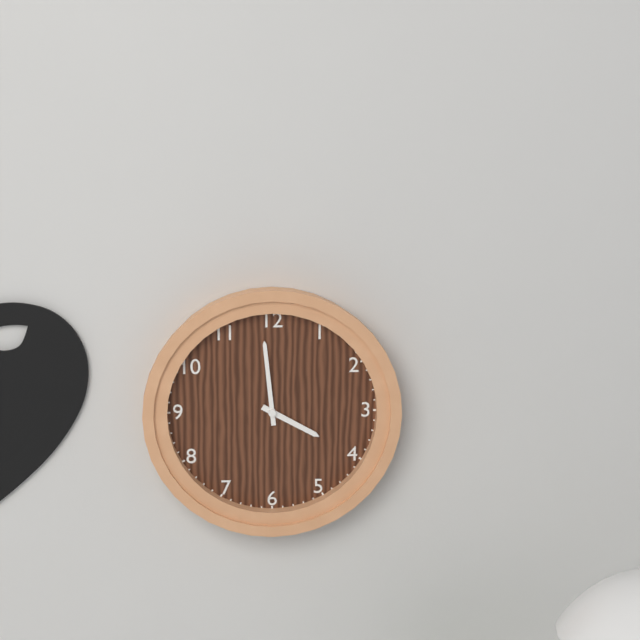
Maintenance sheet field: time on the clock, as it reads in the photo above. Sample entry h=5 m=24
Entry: h=3 m=59
